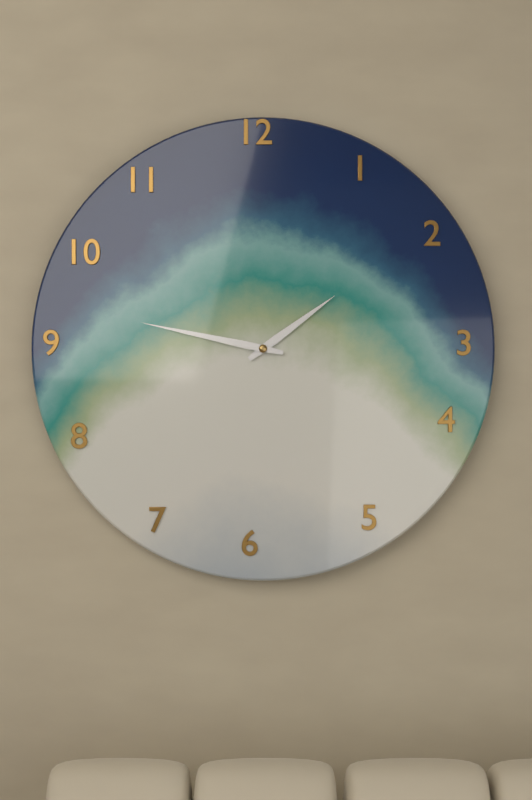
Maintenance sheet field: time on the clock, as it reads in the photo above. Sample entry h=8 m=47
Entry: h=1 m=47
